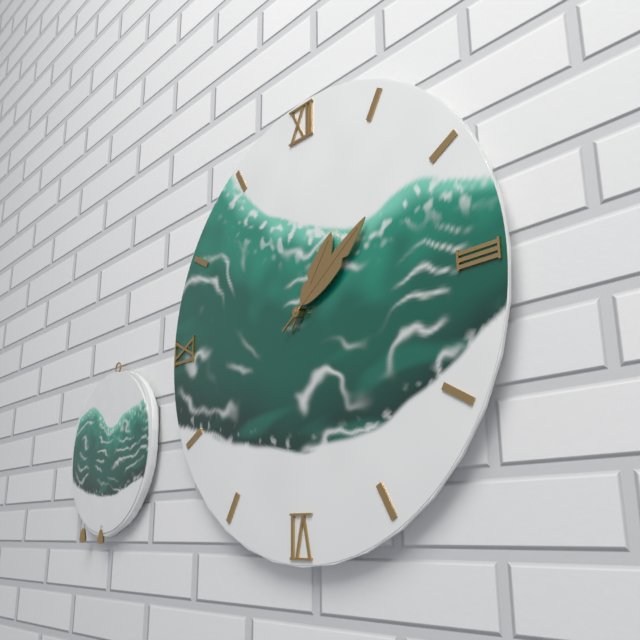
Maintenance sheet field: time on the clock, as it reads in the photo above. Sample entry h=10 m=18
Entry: h=1 m=9
